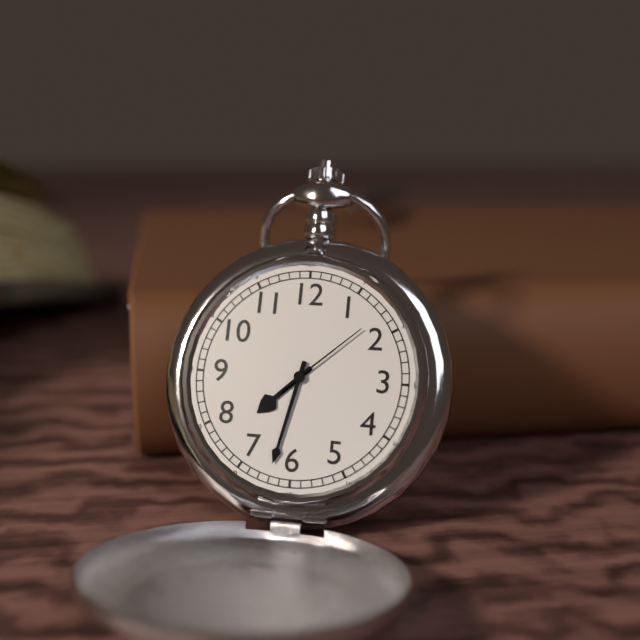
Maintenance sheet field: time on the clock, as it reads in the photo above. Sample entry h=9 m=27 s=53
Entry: h=7 m=32 s=8
